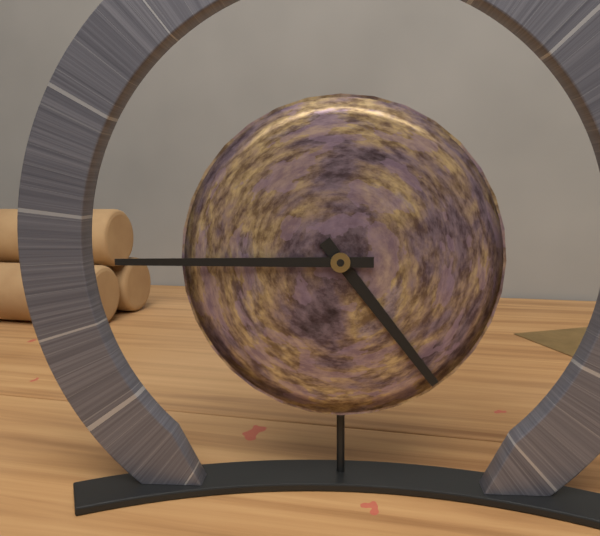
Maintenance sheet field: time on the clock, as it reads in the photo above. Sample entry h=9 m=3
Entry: h=4 m=45
